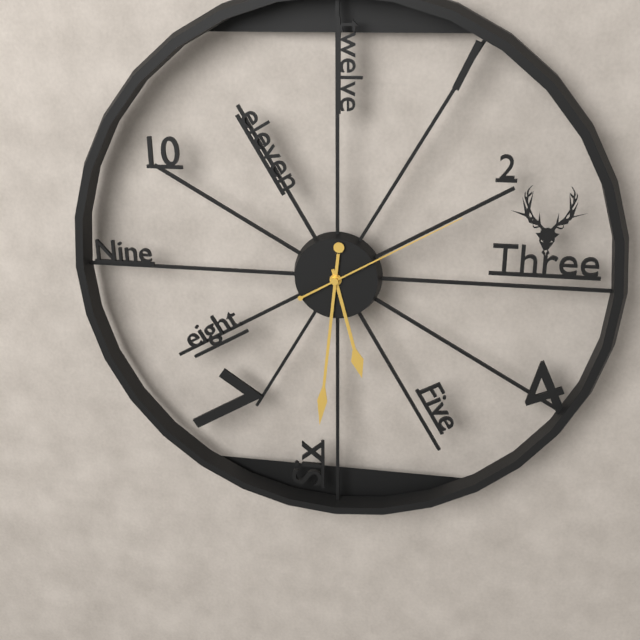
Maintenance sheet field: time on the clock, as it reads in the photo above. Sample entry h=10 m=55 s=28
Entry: h=5 m=31 s=10
